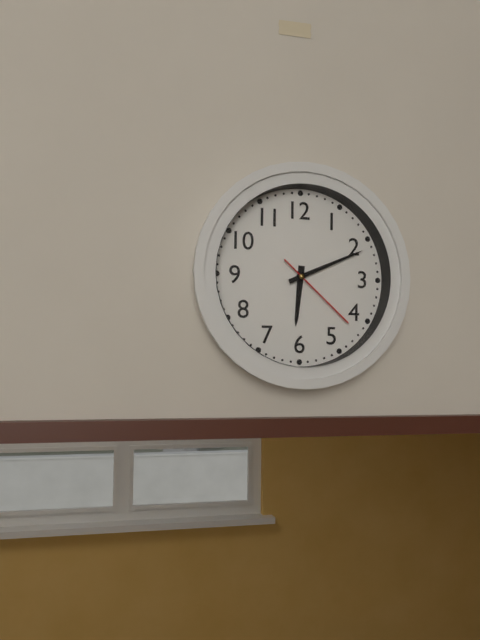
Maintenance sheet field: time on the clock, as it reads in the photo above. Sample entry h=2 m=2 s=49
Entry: h=6 m=11 s=22
